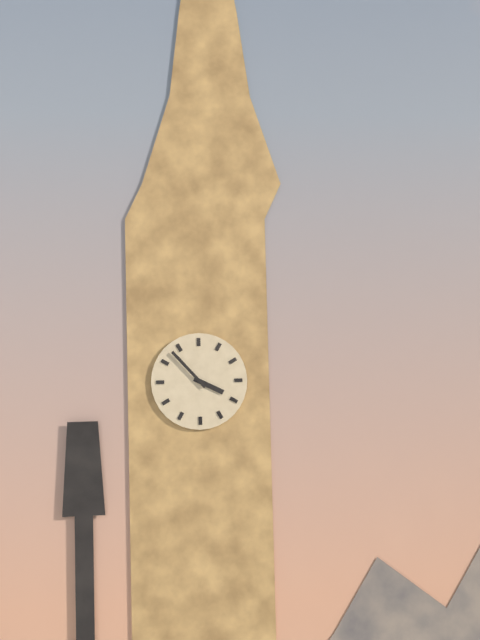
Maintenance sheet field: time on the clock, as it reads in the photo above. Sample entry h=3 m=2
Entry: h=3 m=53
